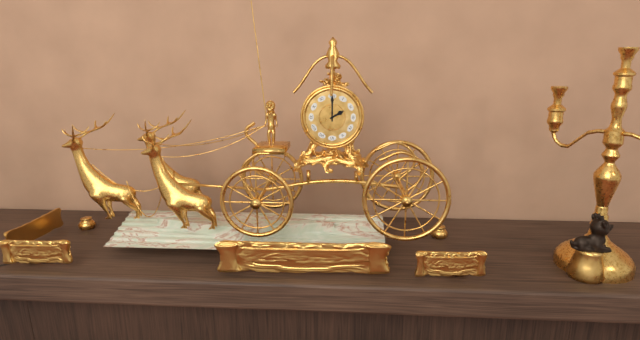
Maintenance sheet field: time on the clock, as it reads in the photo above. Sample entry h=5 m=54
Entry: h=2 m=0
